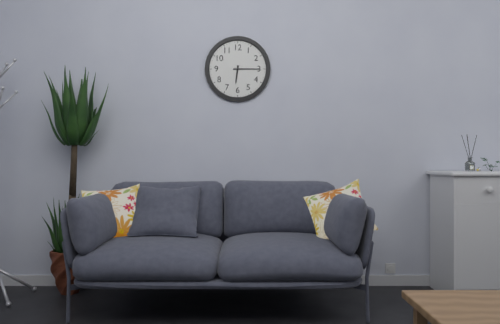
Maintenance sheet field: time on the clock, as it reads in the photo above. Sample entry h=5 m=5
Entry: h=6 m=15
